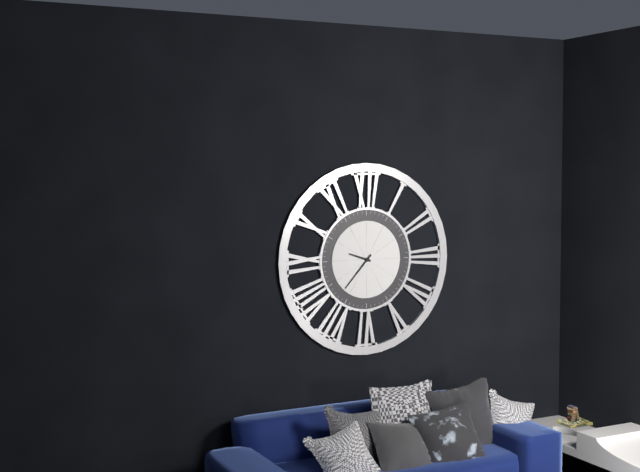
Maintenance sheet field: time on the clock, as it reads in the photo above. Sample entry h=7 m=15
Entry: h=9 m=37
